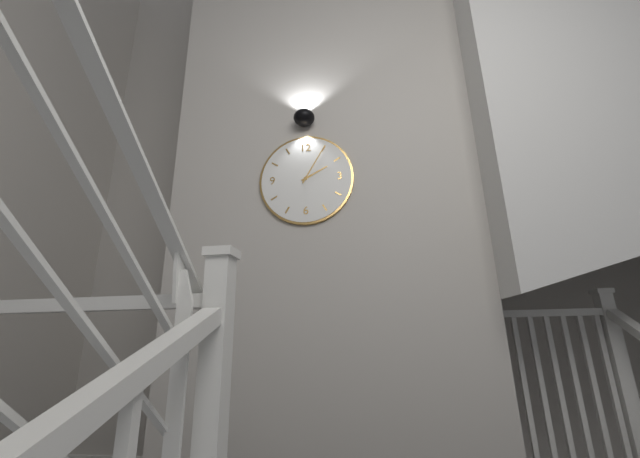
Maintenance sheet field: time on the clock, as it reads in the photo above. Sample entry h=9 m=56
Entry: h=2 m=5
